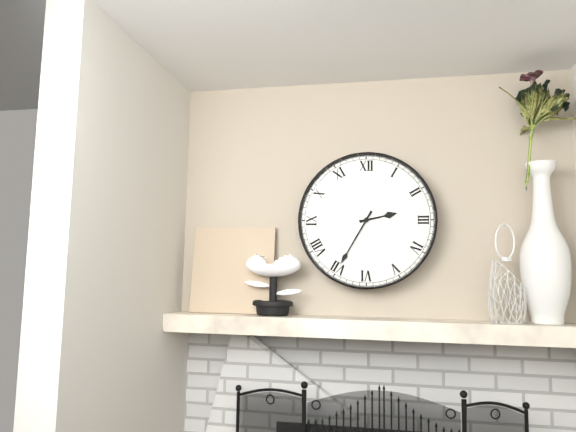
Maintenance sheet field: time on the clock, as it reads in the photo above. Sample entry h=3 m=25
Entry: h=2 m=35
